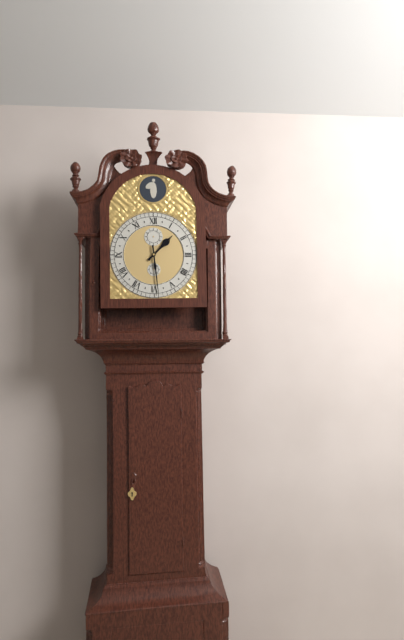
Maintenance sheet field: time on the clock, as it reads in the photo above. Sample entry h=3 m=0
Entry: h=1 m=29
